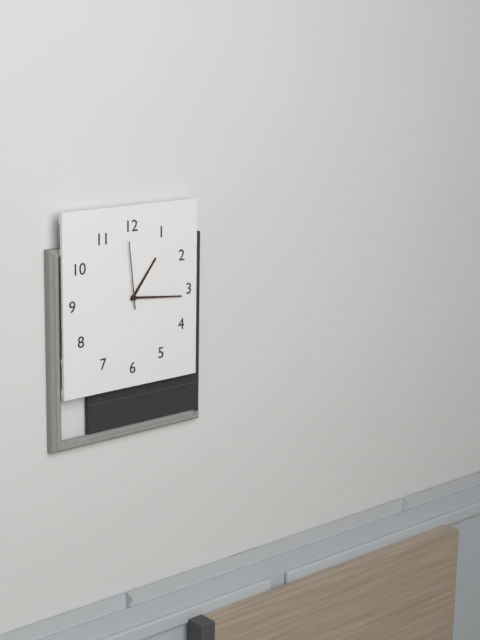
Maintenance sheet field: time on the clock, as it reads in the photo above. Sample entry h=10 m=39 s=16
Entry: h=1 m=16 s=59
